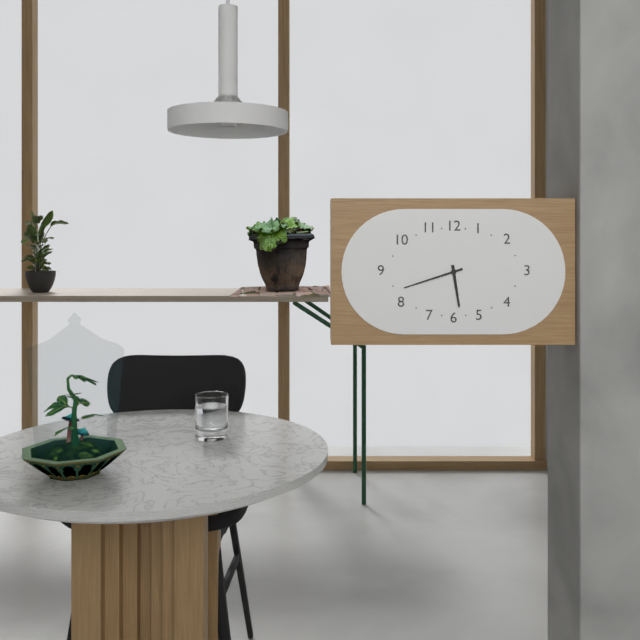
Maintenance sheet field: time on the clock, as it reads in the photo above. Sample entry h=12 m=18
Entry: h=5 m=42
